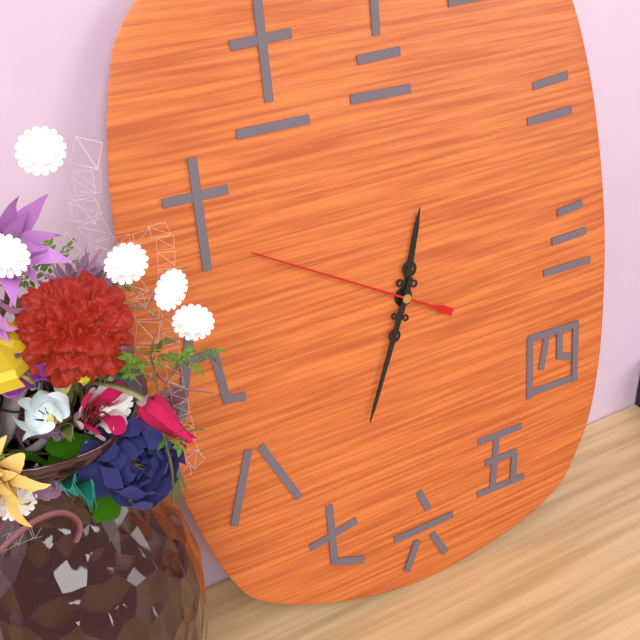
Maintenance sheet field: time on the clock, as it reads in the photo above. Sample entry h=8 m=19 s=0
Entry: h=12 m=34 s=50
